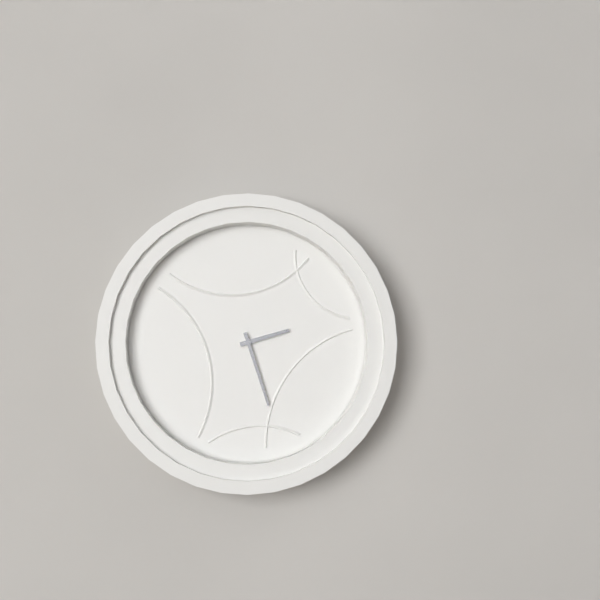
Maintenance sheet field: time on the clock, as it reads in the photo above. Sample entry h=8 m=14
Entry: h=2 m=27
